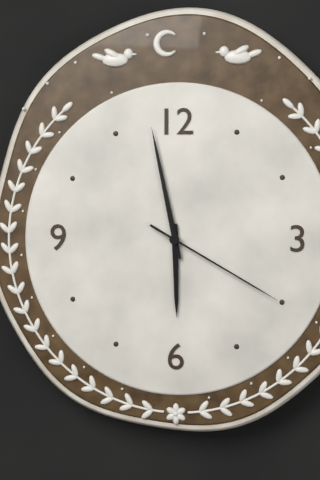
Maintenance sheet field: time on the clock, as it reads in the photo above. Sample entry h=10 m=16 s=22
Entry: h=5 m=58 s=20
